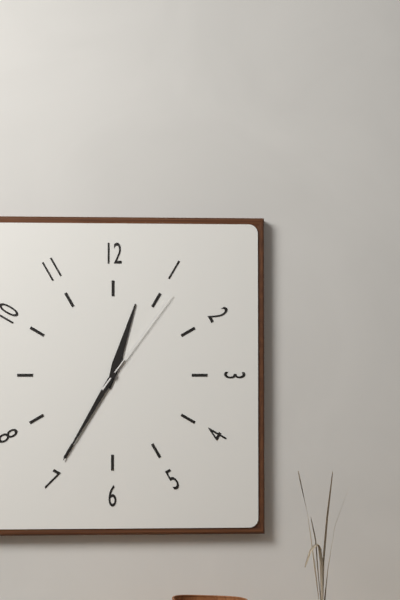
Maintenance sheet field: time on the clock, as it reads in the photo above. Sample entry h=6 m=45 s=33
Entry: h=12 m=35 s=6
